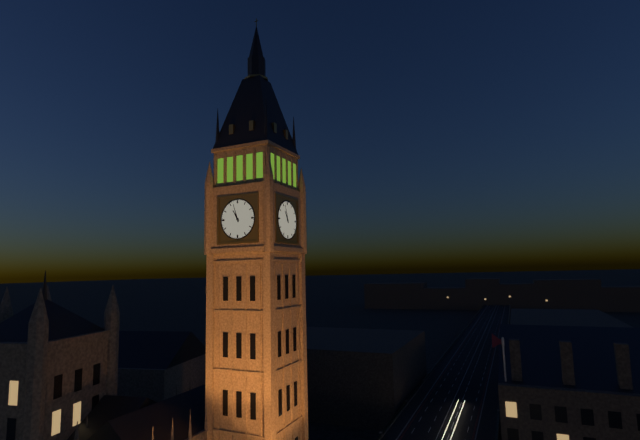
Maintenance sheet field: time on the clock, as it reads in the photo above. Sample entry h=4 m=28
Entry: h=10 m=57
